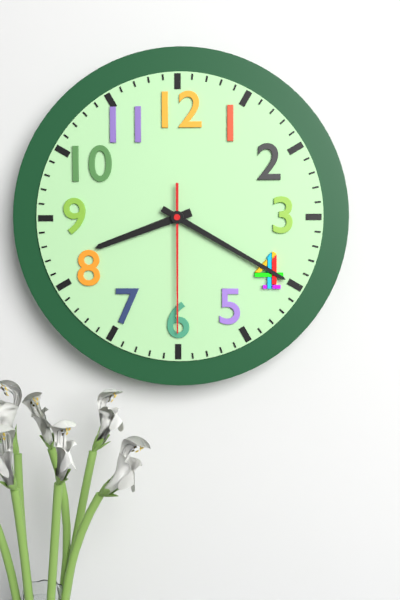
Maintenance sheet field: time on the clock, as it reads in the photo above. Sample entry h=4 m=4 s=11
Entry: h=8 m=20 s=30
